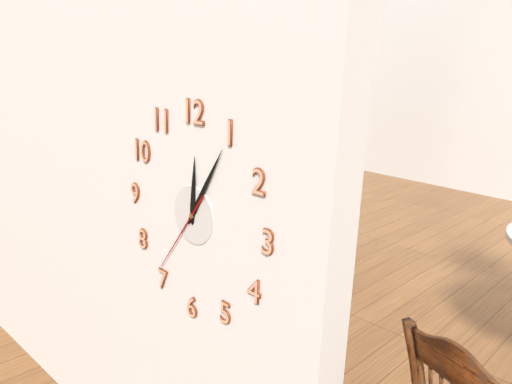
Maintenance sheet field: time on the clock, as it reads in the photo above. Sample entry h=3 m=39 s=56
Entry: h=12 m=5 s=36
